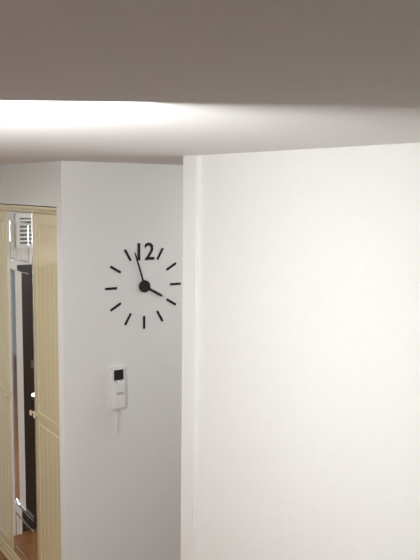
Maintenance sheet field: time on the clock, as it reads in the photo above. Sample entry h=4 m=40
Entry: h=3 m=57
